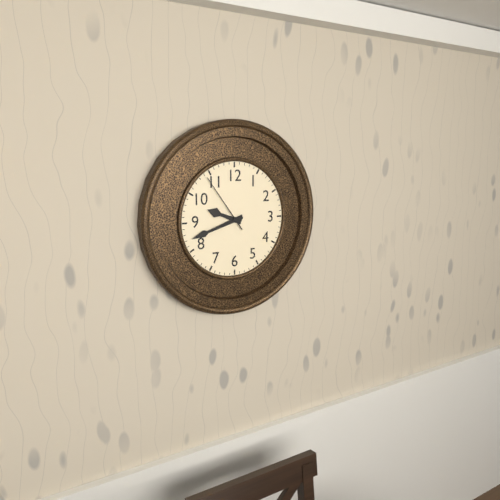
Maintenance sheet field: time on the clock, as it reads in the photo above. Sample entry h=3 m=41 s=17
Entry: h=9 m=42 s=54
